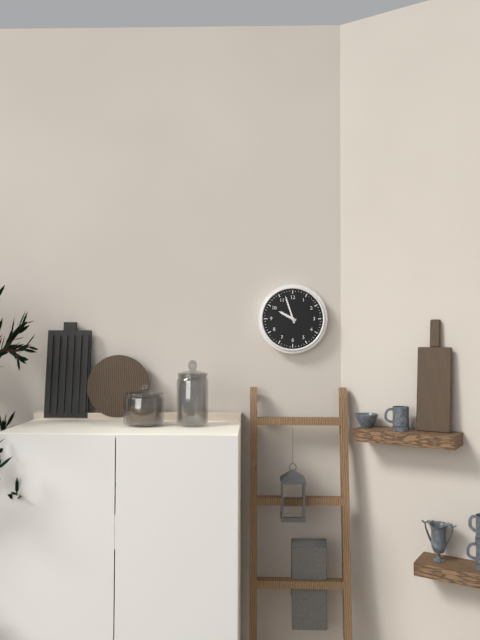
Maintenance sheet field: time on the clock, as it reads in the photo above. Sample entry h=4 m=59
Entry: h=9 m=57
